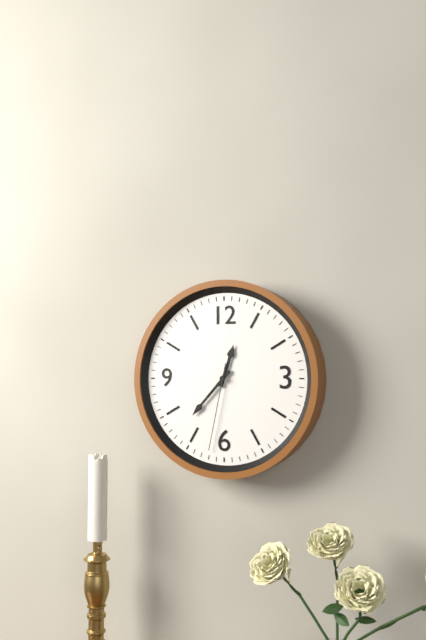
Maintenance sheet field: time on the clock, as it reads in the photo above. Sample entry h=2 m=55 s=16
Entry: h=12 m=37 s=32
